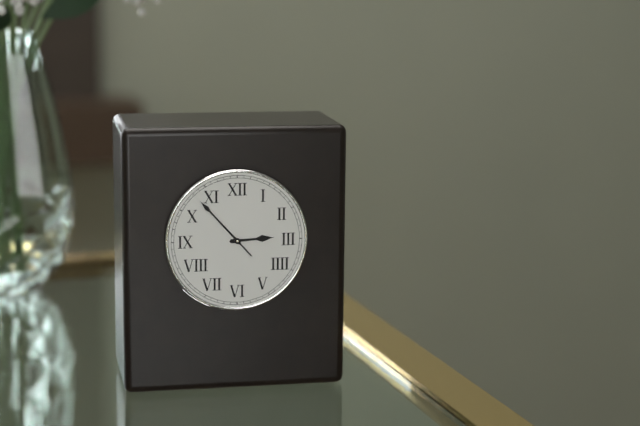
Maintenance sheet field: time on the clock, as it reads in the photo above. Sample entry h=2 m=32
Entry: h=2 m=53
